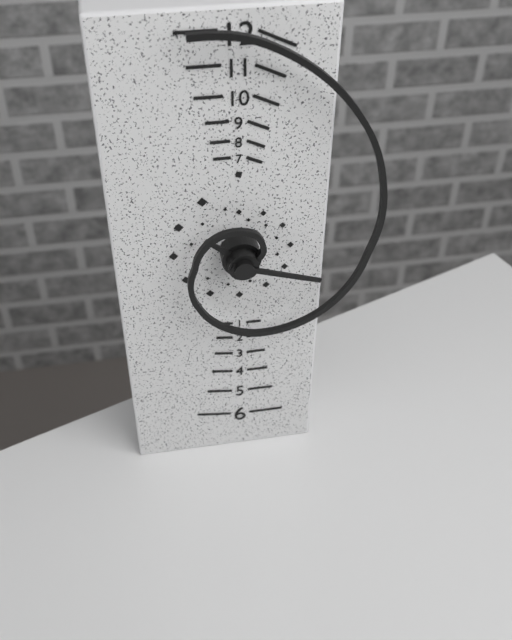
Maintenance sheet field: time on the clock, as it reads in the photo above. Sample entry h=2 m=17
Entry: h=10 m=18
